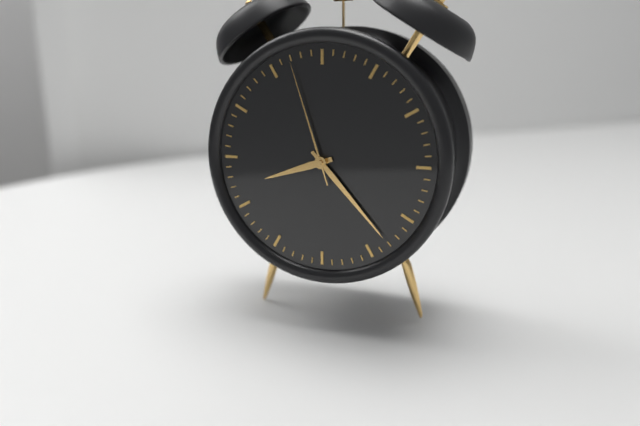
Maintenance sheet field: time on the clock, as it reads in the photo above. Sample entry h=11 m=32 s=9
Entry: h=8 m=23 s=57
